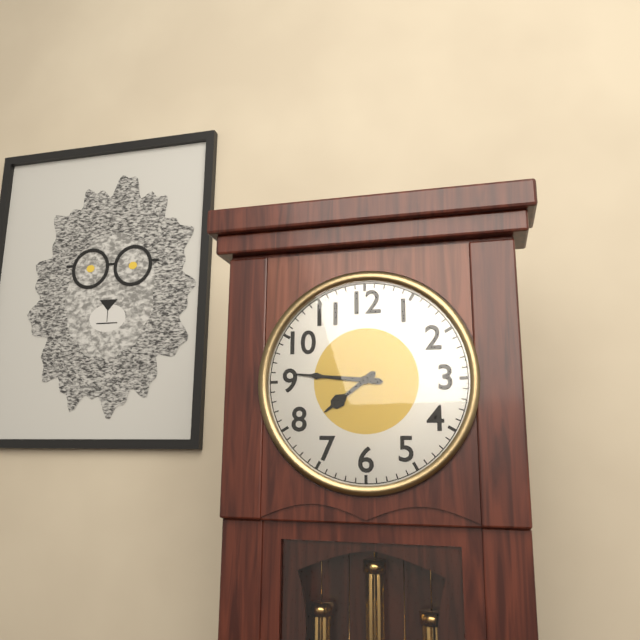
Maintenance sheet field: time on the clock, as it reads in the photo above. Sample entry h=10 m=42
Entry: h=7 m=46
